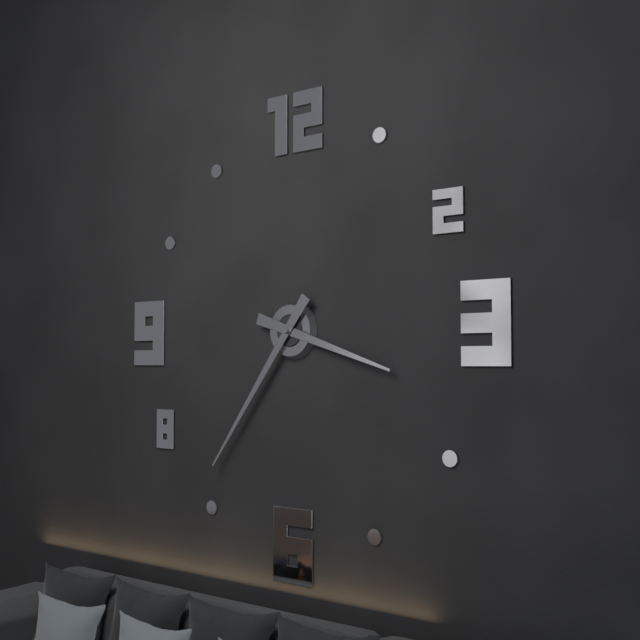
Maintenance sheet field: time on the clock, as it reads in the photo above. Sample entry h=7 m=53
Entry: h=3 m=36
